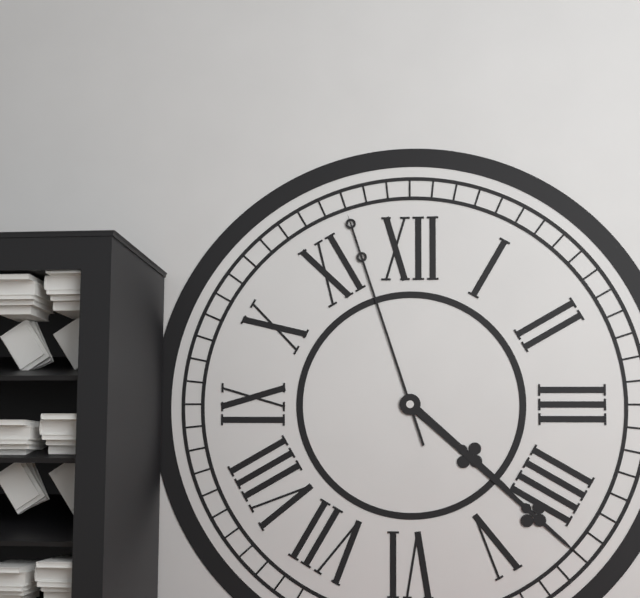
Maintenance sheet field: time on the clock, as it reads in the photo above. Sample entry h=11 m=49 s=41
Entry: h=4 m=22 s=57
